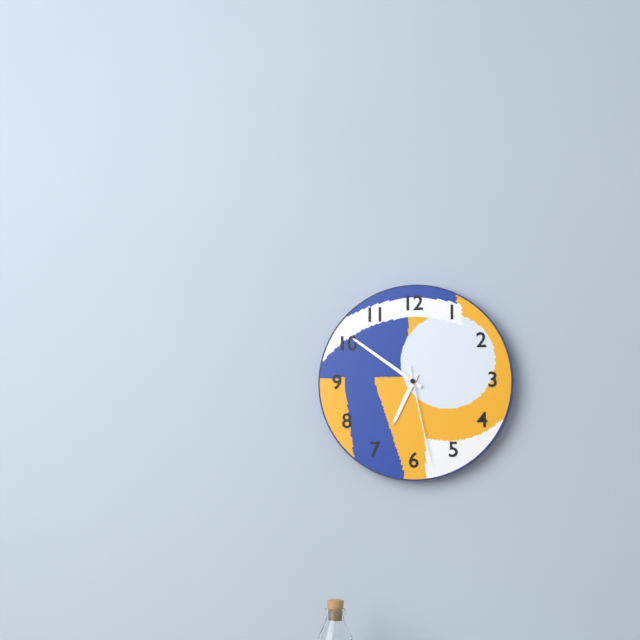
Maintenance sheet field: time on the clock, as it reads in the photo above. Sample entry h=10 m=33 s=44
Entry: h=6 m=51 s=28
